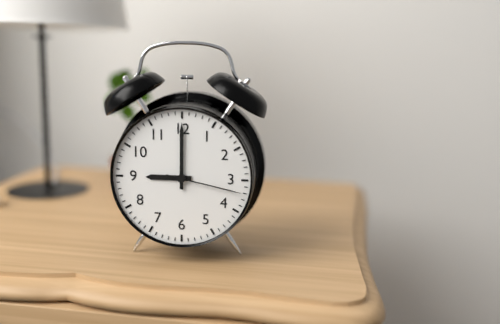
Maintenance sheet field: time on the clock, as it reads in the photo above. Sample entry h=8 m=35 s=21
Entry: h=9 m=0 s=17
